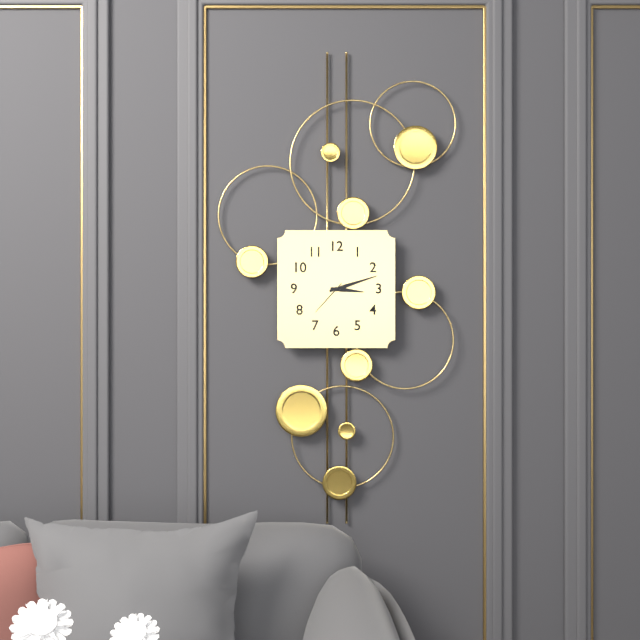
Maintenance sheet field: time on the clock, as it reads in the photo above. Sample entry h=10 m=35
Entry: h=3 m=12
